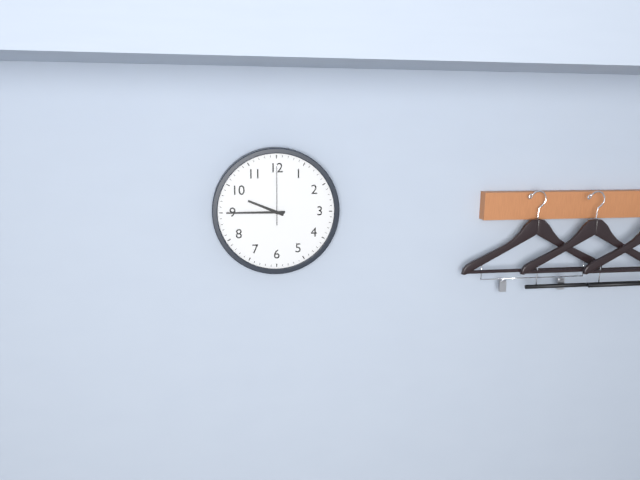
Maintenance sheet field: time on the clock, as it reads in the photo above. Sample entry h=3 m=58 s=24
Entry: h=9 m=45 s=0
